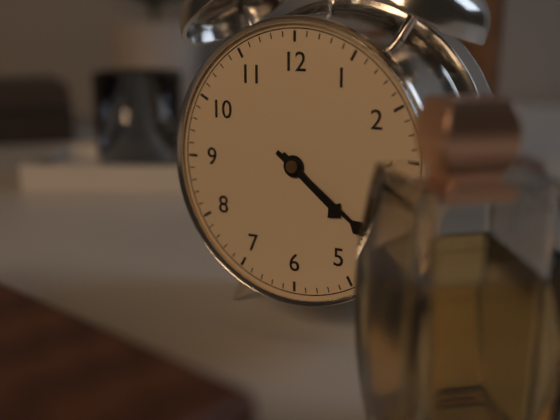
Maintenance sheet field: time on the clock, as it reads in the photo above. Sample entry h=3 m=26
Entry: h=4 m=21
